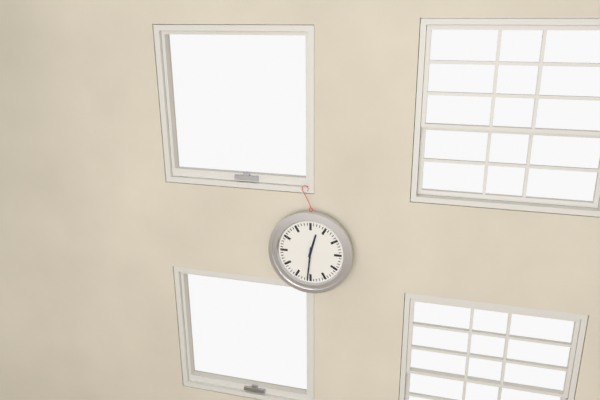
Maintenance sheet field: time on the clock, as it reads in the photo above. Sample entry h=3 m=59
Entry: h=12 m=31
